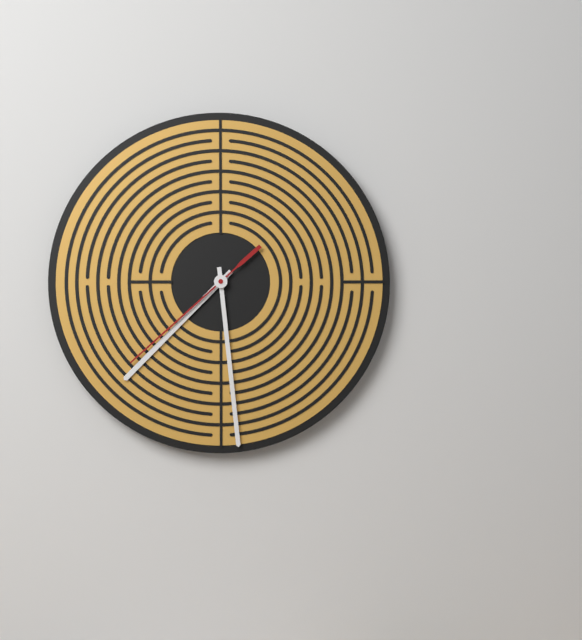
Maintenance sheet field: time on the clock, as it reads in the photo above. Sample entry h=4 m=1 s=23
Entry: h=7 m=29 s=38
